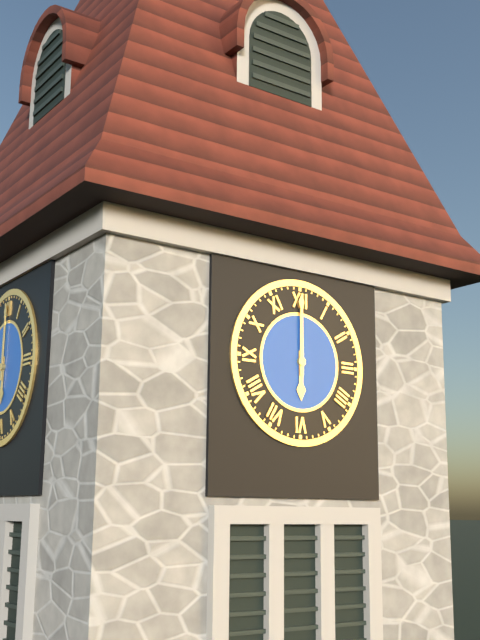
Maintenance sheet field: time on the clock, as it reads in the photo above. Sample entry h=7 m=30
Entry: h=6 m=0
